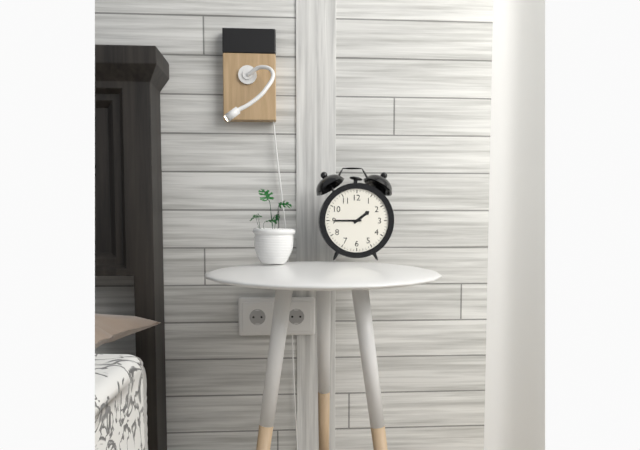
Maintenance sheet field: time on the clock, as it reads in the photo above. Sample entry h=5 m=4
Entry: h=1 m=45
